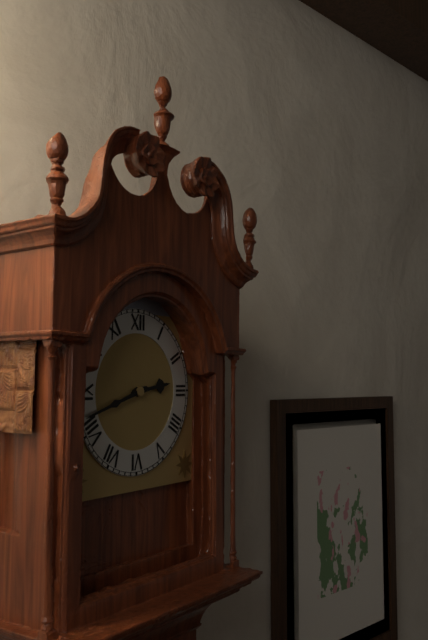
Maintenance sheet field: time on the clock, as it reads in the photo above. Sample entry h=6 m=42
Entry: h=2 m=42
